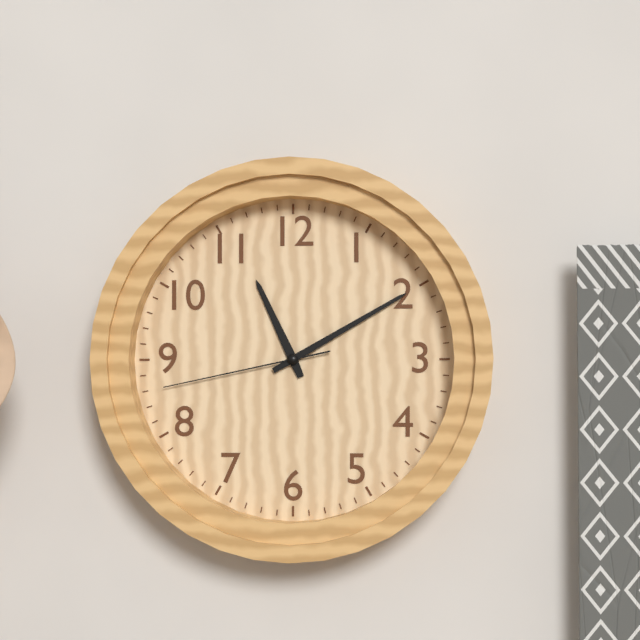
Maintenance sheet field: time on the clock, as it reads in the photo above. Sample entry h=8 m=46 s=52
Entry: h=11 m=10 s=43
